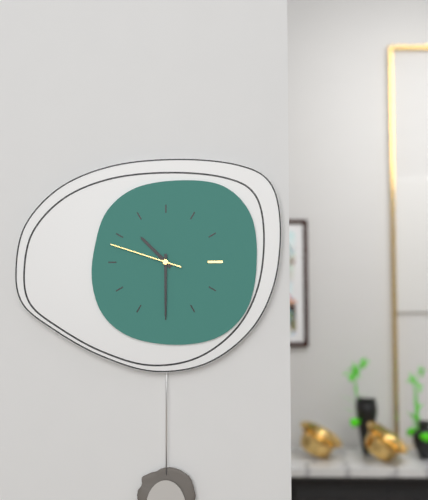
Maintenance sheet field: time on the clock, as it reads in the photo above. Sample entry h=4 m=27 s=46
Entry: h=10 m=30 s=48
